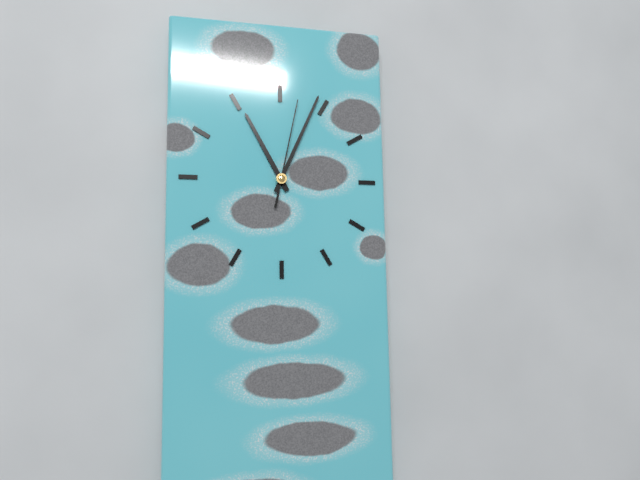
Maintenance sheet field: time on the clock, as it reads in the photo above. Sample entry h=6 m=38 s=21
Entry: h=11 m=4 s=2
